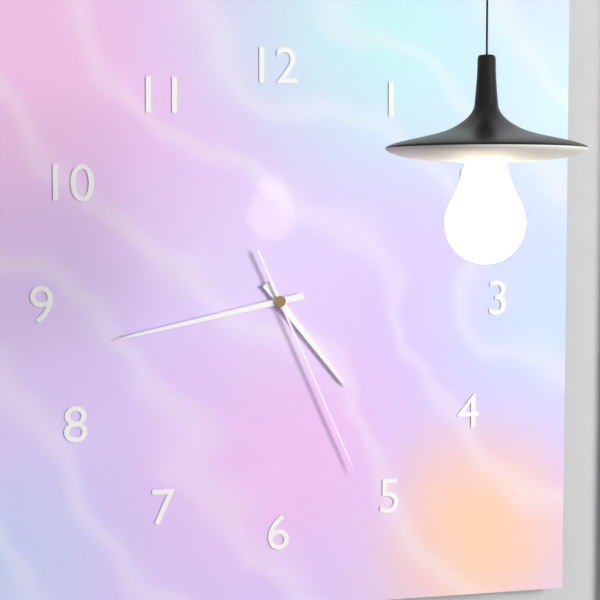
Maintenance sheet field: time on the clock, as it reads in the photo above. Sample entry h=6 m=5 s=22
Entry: h=4 m=43 s=26
